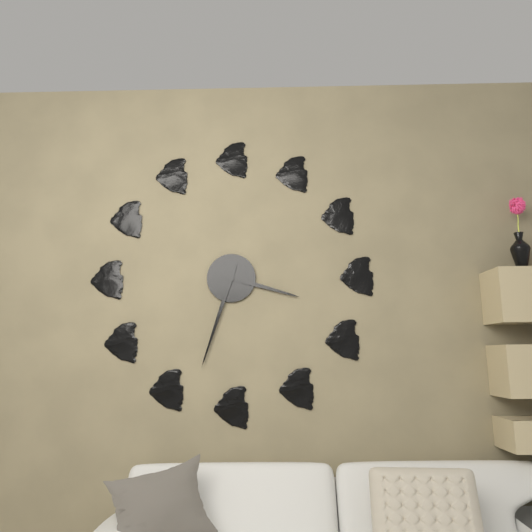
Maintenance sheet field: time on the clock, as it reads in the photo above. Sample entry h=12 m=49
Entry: h=3 m=33
